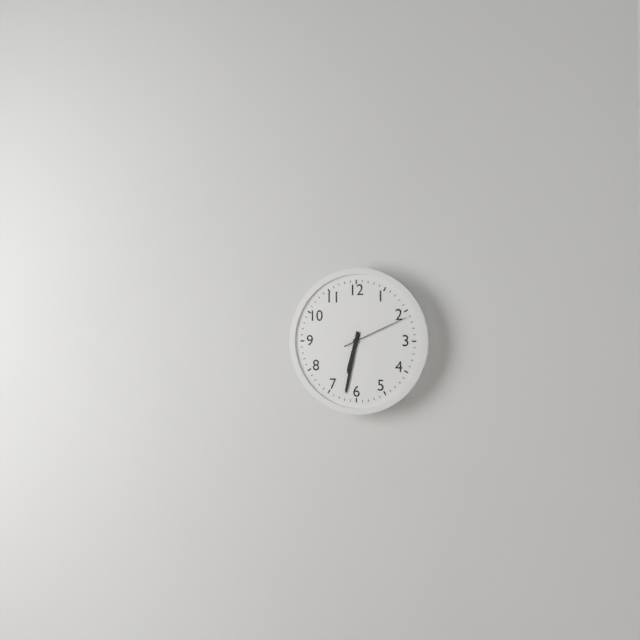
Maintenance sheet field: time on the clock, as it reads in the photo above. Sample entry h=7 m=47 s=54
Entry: h=6 m=32 s=11
